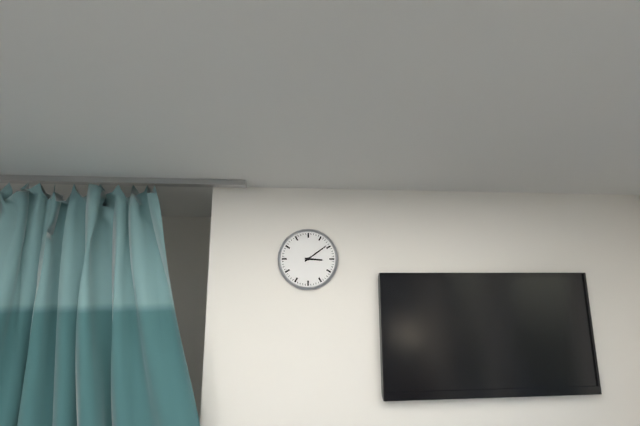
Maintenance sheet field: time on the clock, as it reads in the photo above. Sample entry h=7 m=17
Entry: h=3 m=9
